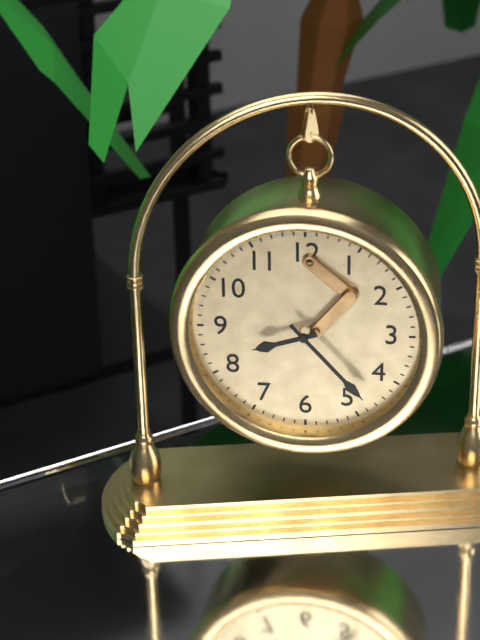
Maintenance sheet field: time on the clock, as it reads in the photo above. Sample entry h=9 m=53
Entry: h=8 m=23
